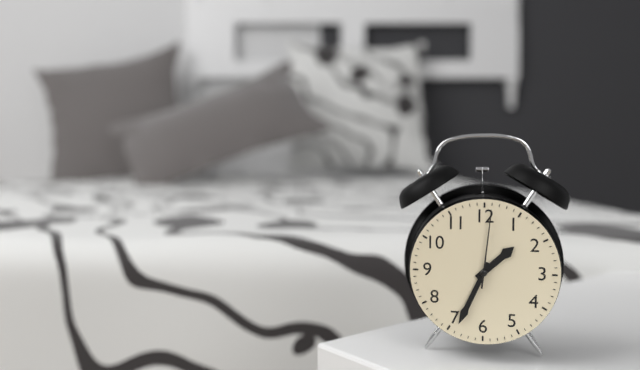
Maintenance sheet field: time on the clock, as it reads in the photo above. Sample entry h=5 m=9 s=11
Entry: h=1 m=34 s=1
